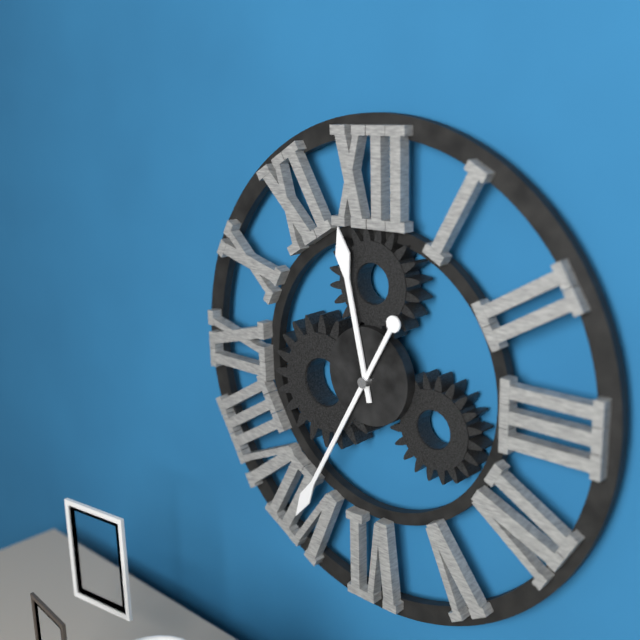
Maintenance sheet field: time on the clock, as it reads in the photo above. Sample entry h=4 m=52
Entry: h=11 m=35
